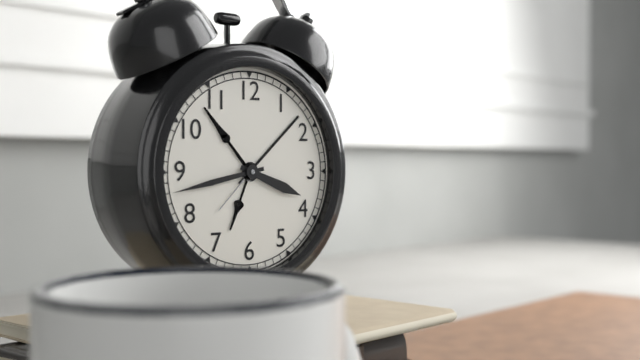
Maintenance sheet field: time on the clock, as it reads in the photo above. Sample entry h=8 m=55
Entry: h=3 m=43
